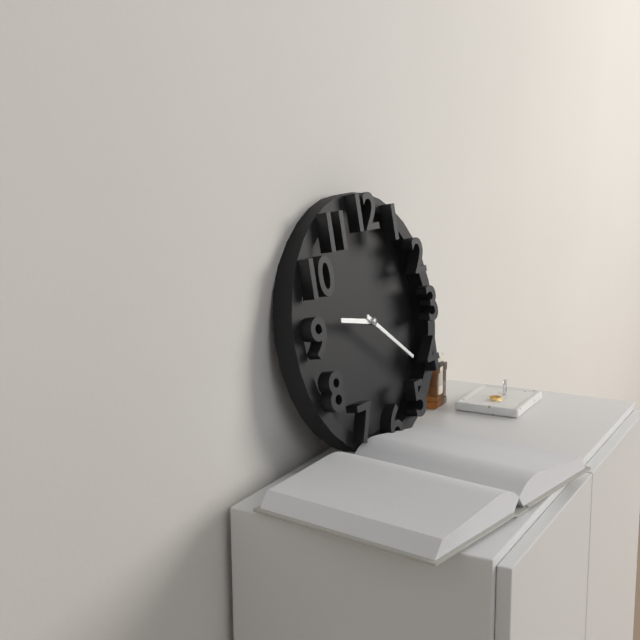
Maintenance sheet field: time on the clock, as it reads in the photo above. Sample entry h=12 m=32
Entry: h=9 m=21
